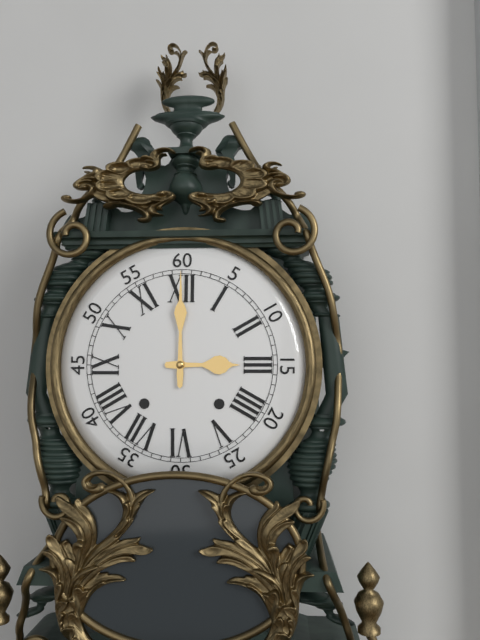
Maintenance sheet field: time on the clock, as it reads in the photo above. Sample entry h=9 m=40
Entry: h=3 m=0
